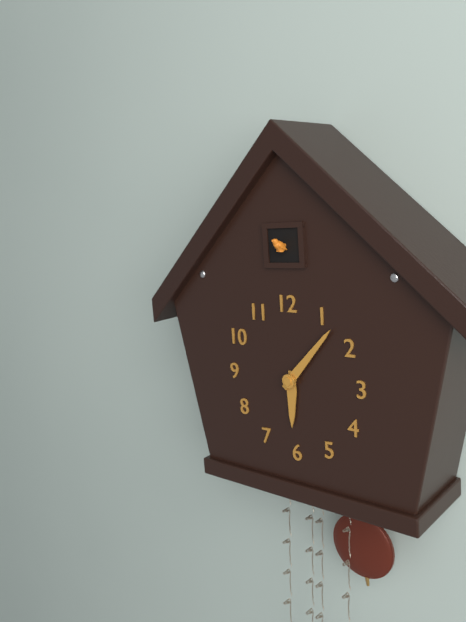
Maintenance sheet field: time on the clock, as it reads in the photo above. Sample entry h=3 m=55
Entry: h=6 m=7
